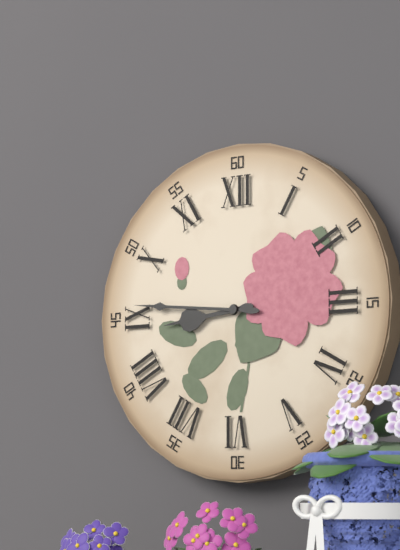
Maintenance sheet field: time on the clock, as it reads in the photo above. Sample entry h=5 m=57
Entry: h=8 m=46
